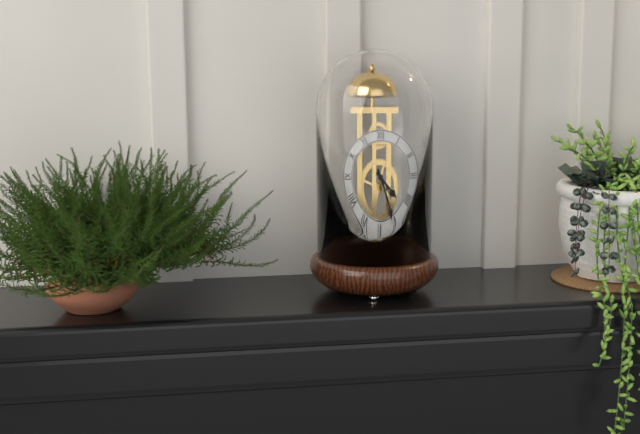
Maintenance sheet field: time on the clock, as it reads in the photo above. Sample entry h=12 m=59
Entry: h=4 m=26
